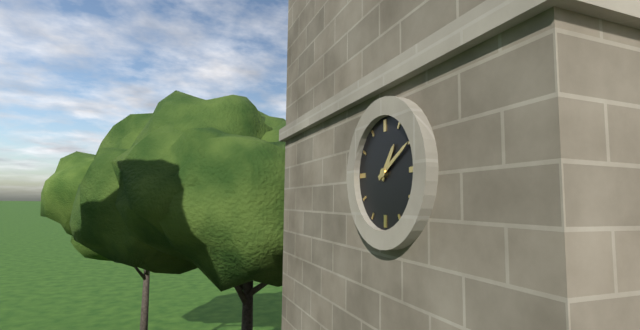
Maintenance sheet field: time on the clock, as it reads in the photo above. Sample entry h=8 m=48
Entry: h=1 m=10
